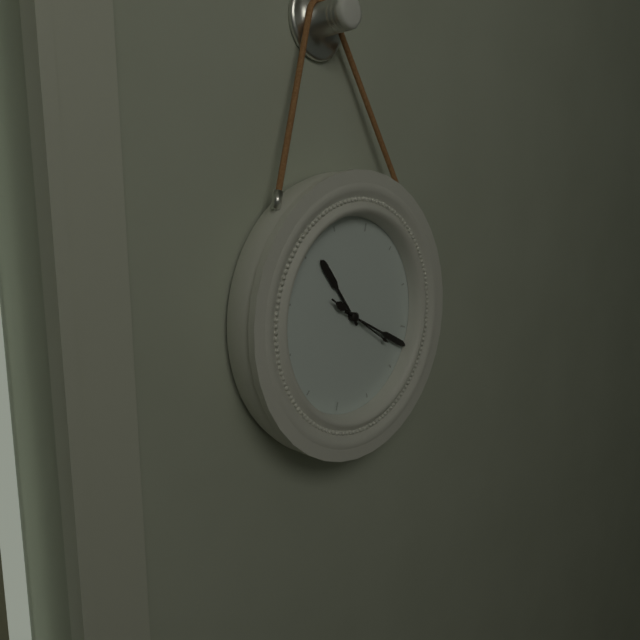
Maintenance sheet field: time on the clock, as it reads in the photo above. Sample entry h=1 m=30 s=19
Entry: h=10 m=17 s=18
